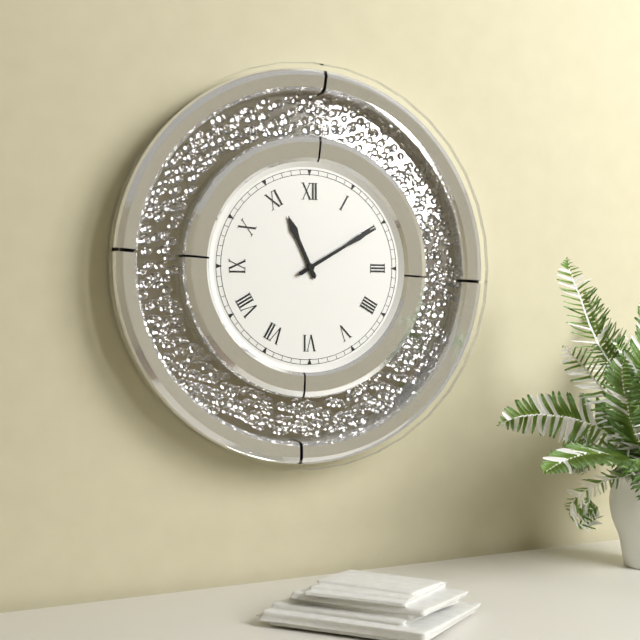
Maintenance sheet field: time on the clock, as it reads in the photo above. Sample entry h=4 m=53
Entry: h=11 m=10
